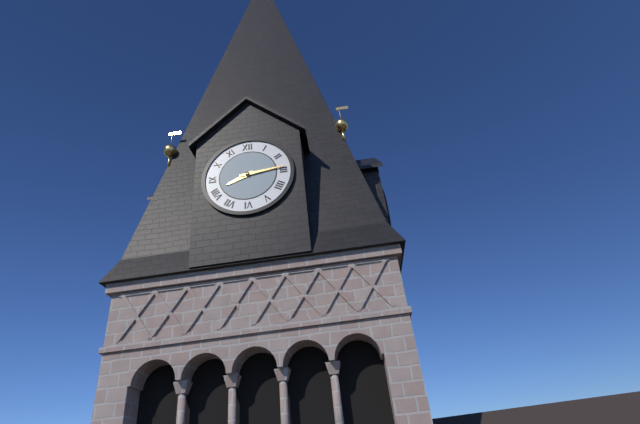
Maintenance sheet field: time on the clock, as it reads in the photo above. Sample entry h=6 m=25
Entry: h=8 m=14
